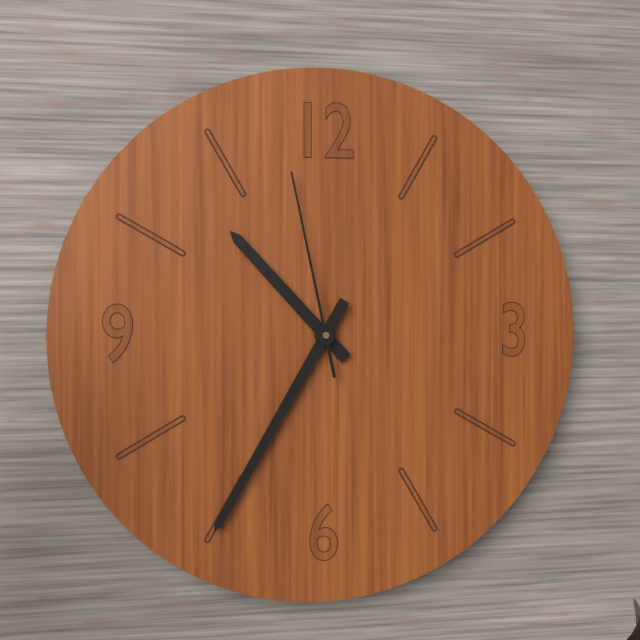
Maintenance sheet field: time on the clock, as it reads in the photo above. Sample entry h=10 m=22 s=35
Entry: h=10 m=35 s=58
